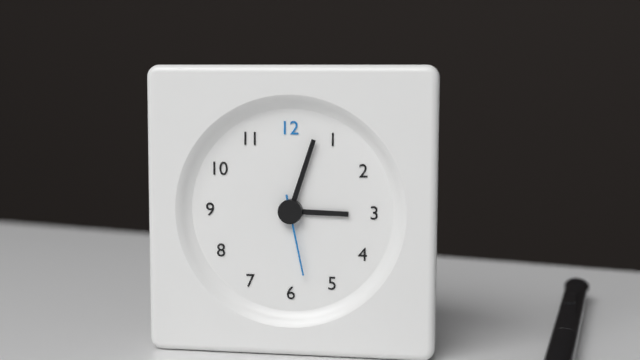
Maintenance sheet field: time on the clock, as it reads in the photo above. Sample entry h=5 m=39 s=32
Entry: h=3 m=3 s=28
